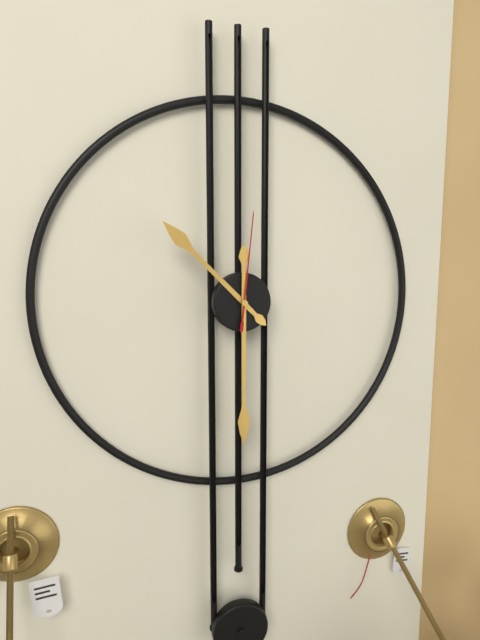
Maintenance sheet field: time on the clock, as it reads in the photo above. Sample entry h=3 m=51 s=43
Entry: h=10 m=30 s=1
